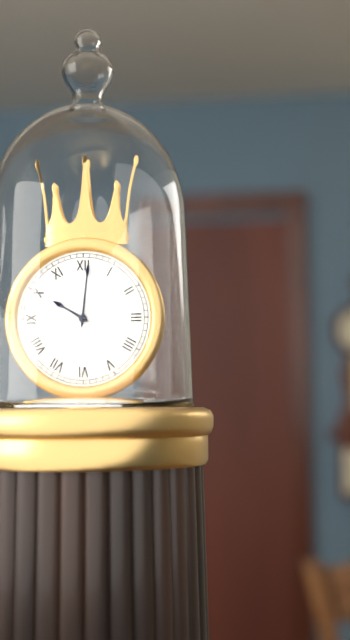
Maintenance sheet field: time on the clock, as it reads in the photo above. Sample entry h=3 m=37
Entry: h=10 m=1
